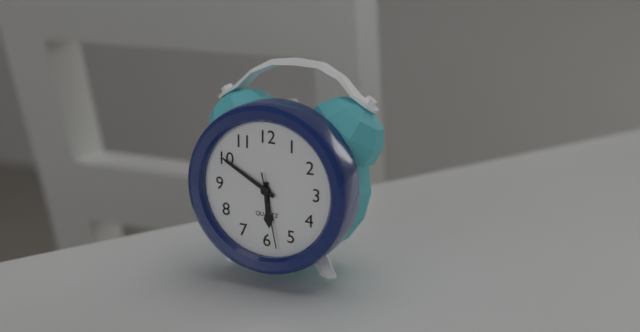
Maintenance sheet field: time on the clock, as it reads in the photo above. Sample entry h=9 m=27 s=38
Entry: h=5 m=50 s=28
